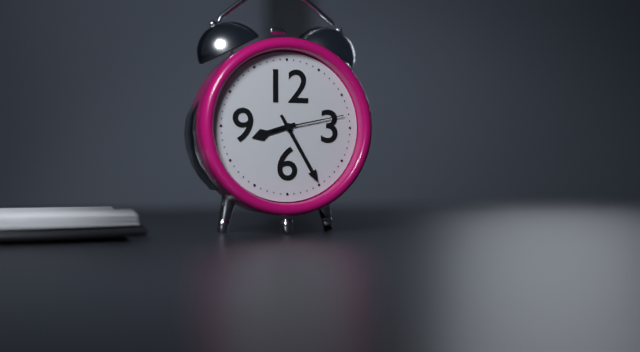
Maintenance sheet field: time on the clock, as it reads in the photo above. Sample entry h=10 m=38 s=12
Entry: h=8 m=25 s=13
